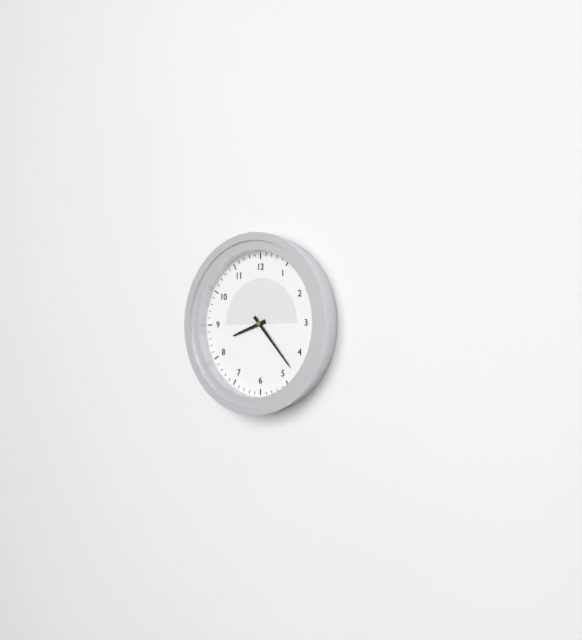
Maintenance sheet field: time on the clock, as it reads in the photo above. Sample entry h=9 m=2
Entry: h=8 m=23
